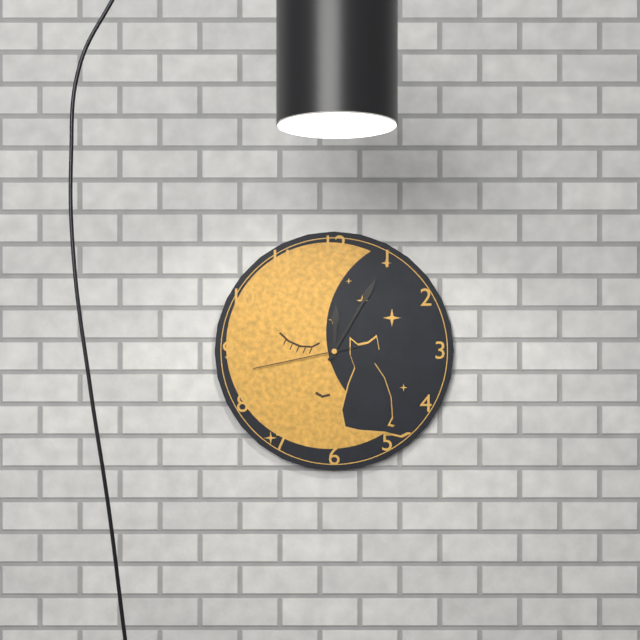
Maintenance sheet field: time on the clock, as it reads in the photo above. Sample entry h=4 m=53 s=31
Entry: h=12 m=5 s=43
